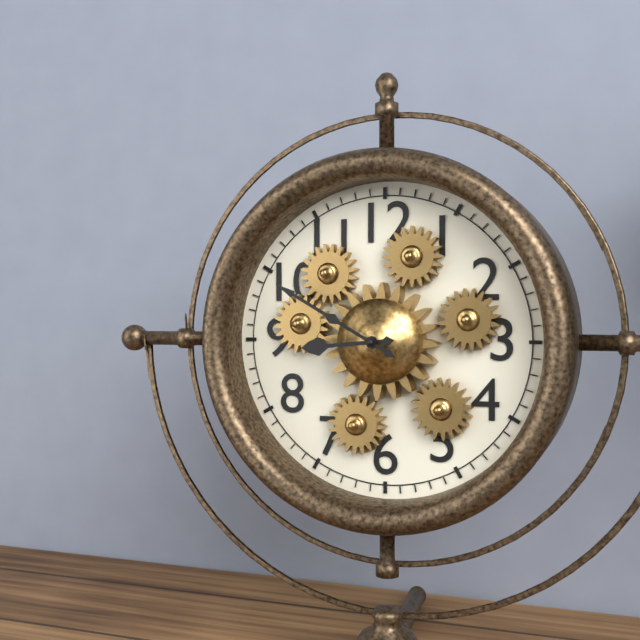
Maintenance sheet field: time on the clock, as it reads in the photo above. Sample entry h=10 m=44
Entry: h=8 m=50
